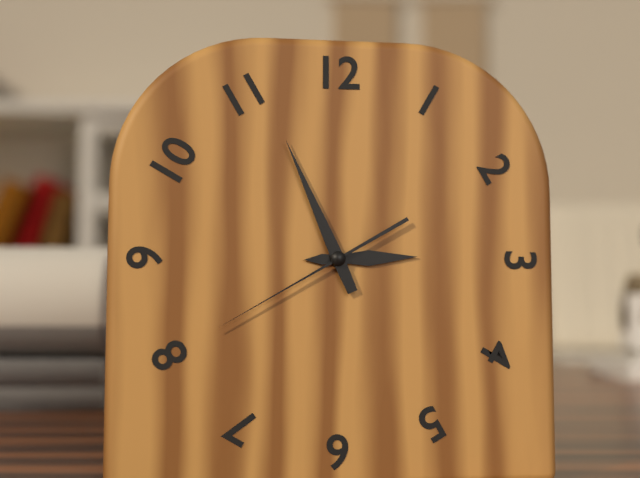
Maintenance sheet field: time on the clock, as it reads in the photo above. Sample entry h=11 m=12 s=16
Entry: h=2 m=56 s=40
